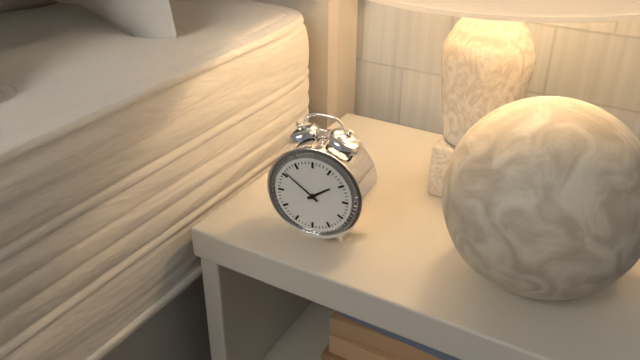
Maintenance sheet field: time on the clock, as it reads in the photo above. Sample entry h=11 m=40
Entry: h=1 m=51
